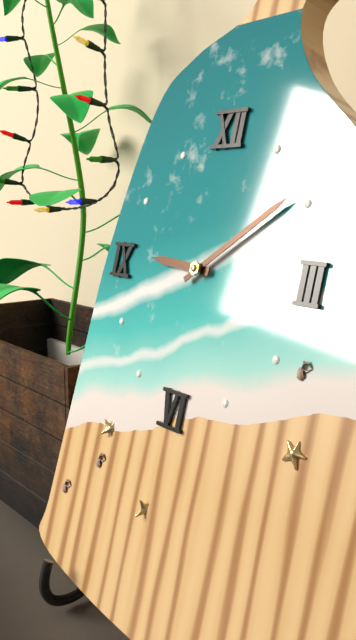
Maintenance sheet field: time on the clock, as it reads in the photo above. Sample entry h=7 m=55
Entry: h=9 m=9
